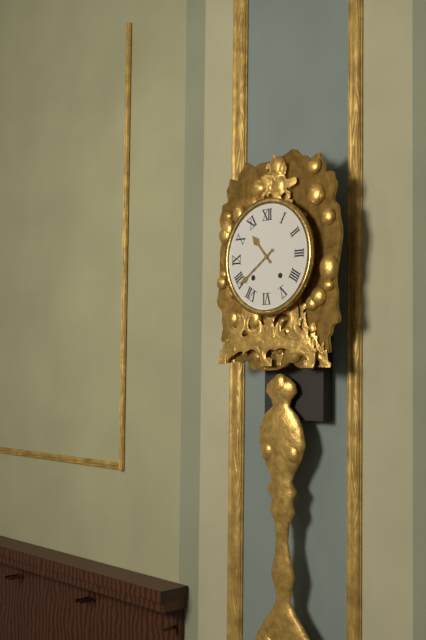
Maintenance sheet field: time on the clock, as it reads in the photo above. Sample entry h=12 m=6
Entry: h=10 m=39
